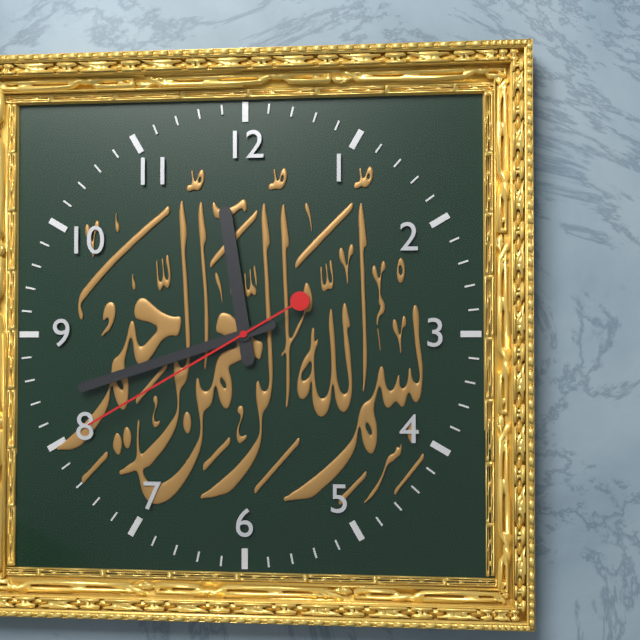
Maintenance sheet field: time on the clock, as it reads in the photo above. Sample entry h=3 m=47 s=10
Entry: h=11 m=42 s=40
